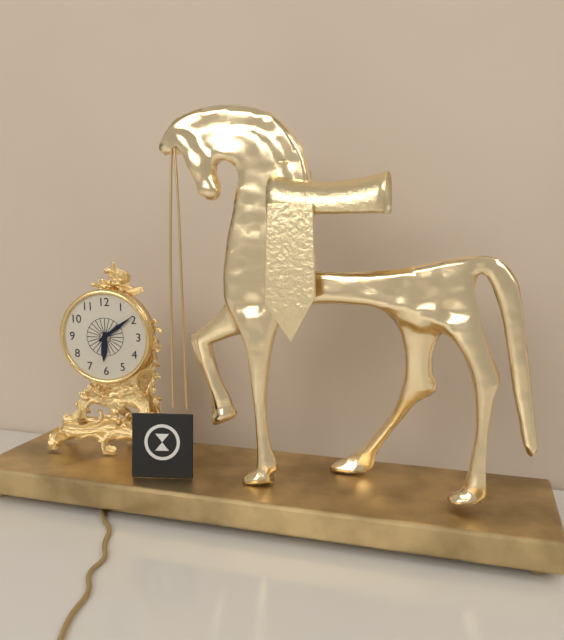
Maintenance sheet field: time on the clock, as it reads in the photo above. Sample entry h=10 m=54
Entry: h=6 m=9
